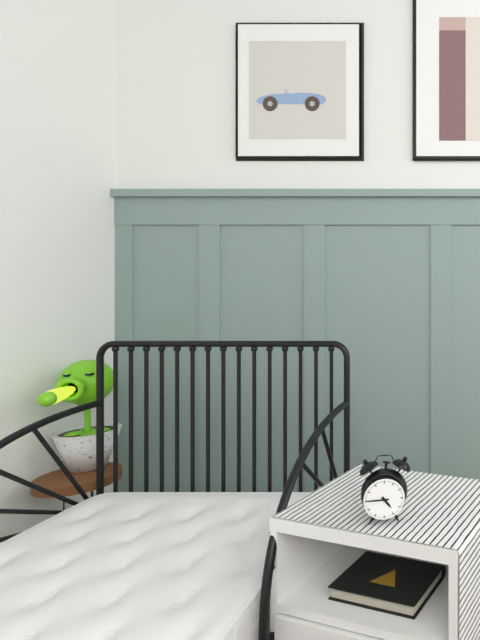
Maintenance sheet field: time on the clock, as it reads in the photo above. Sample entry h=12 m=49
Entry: h=4 m=45
